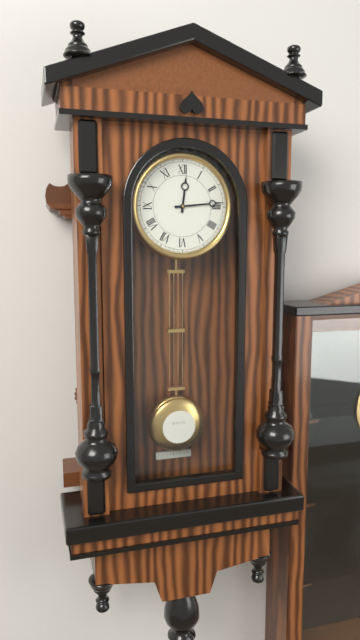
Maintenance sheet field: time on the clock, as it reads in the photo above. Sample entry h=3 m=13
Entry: h=12 m=14
